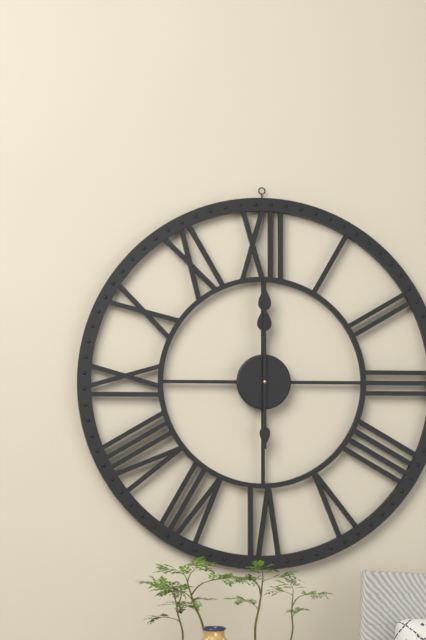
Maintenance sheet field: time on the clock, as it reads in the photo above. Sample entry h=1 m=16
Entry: h=12 m=0
